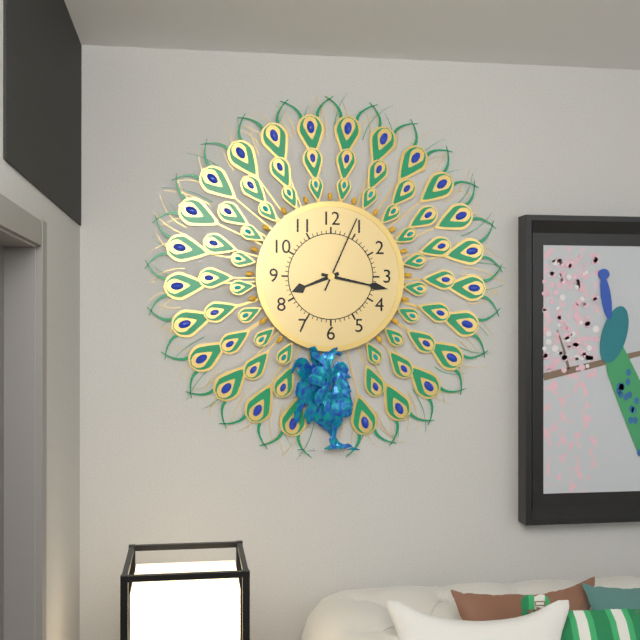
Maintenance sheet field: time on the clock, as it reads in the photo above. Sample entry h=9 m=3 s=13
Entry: h=8 m=17 s=4
